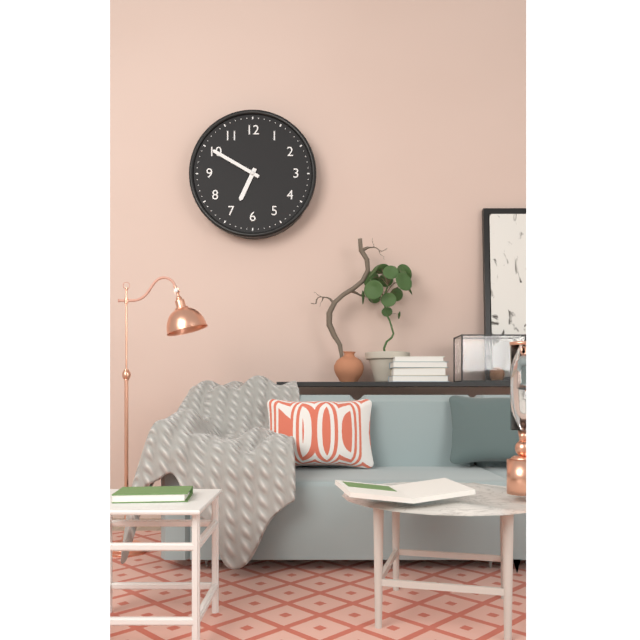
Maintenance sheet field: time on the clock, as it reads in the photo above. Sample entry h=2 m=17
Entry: h=6 m=50
